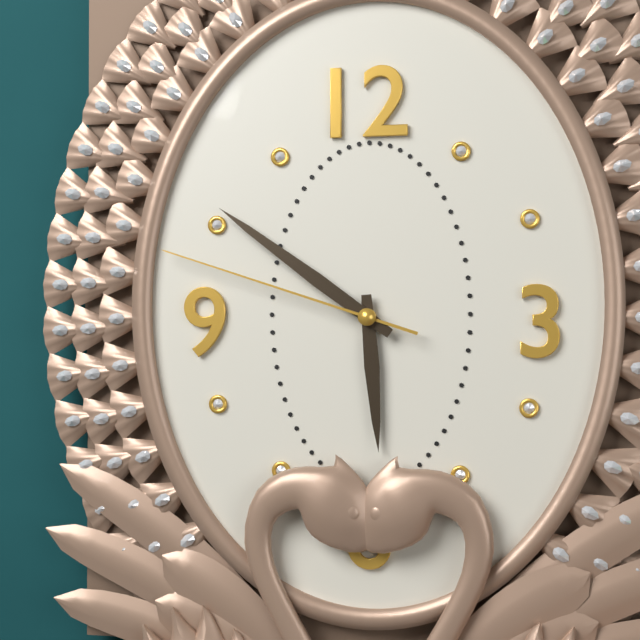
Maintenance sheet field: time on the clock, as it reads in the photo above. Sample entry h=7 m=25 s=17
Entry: h=5 m=51 s=48
